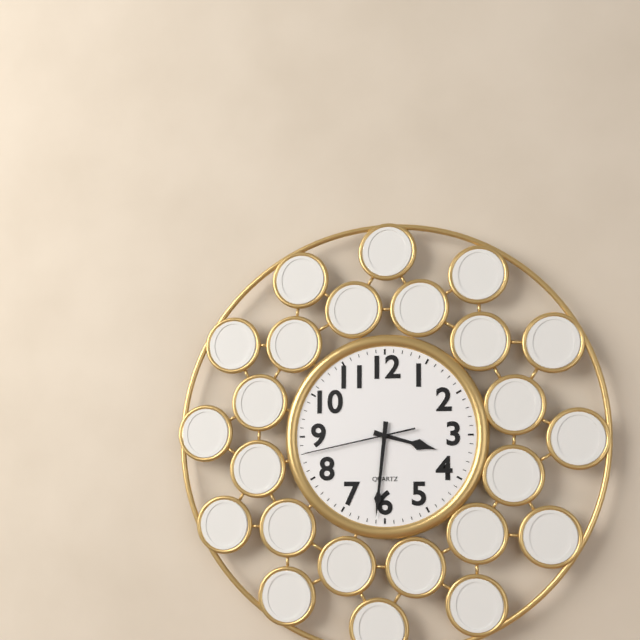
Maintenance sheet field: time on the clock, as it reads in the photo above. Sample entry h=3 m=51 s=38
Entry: h=3 m=31 s=43
